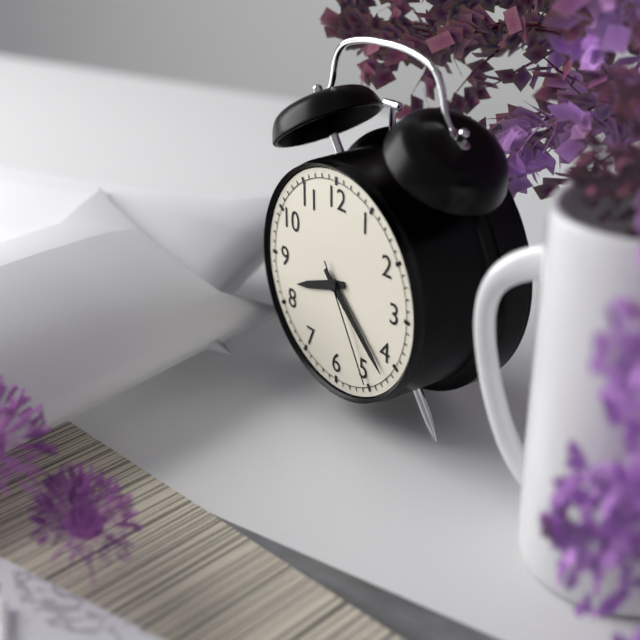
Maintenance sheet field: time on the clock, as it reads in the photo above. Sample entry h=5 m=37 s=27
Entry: h=8 m=22 s=25
